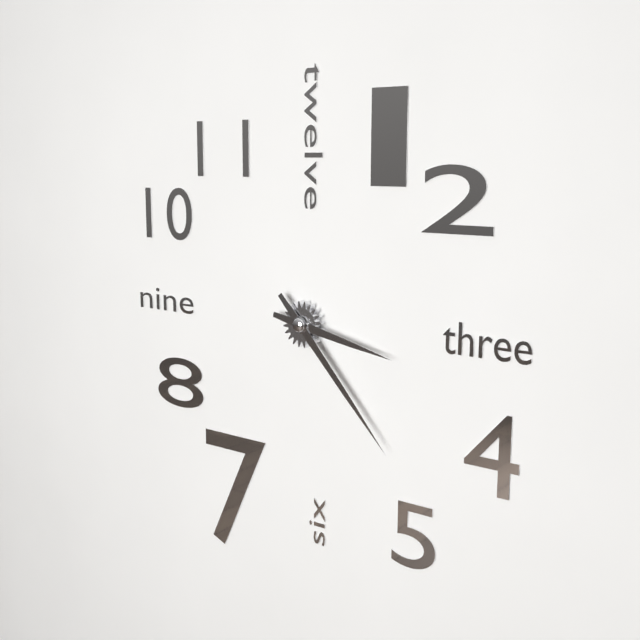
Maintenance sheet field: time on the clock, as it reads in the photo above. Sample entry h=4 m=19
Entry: h=3 m=23
